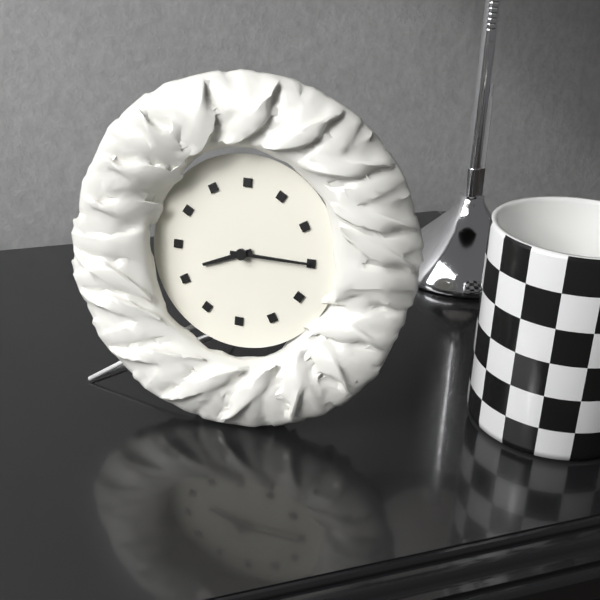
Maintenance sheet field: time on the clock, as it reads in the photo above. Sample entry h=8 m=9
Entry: h=8 m=15
